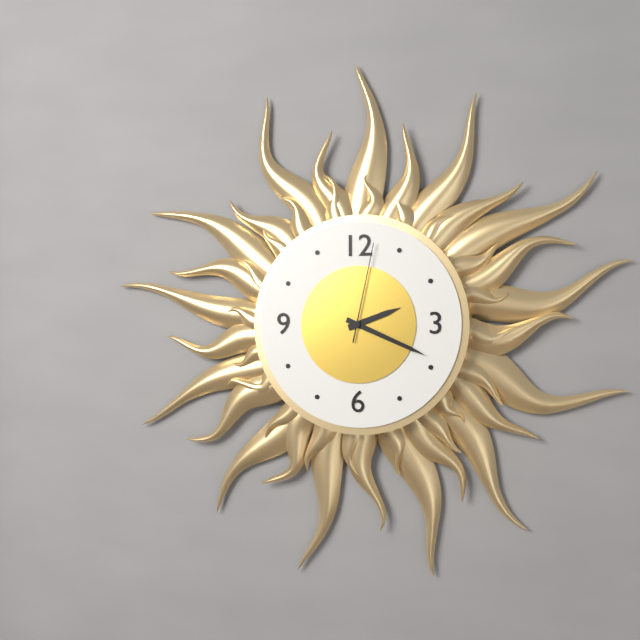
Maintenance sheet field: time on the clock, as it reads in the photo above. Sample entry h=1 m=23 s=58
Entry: h=2 m=19 s=2
